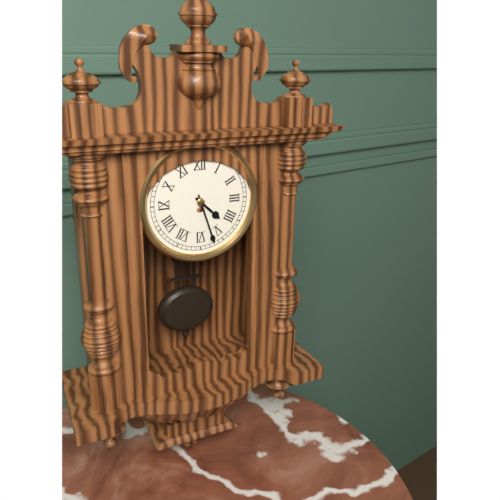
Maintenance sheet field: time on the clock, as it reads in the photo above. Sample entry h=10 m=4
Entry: h=4 m=27
